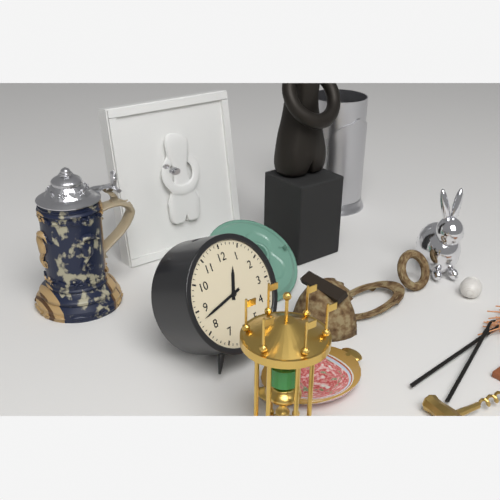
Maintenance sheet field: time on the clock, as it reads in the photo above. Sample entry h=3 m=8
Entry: h=12 m=43
